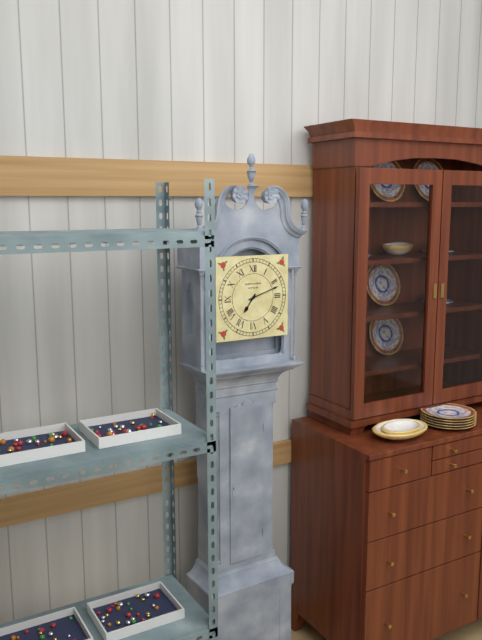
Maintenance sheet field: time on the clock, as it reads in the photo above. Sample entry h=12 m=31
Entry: h=7 m=12
